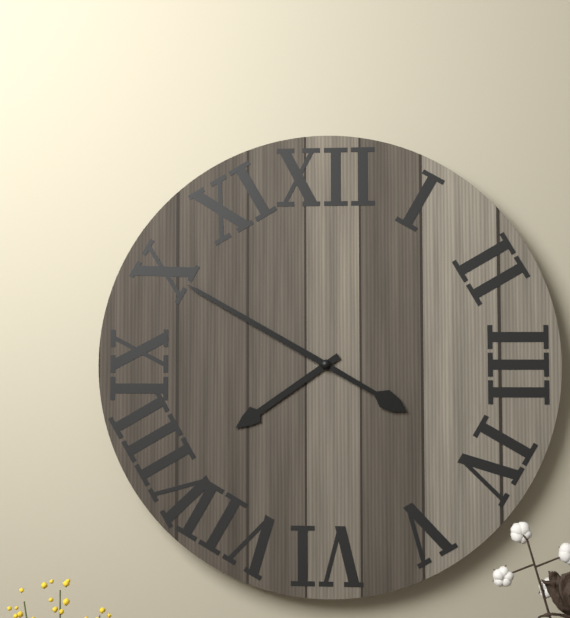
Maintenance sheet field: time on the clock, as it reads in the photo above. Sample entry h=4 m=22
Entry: h=7 m=50
